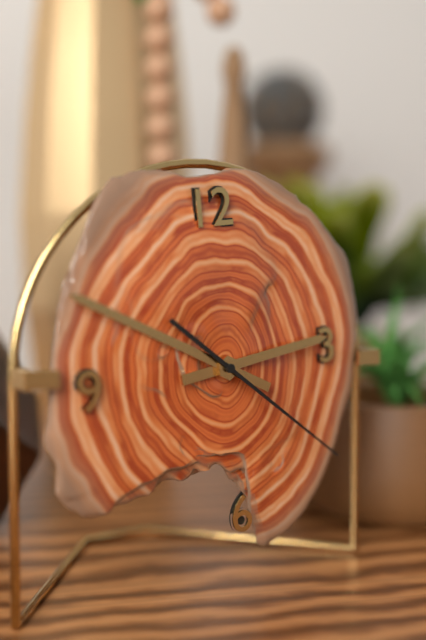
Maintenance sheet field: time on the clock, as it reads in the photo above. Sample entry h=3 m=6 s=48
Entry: h=2 m=50 s=22
